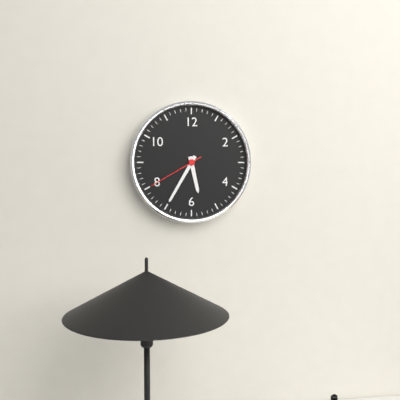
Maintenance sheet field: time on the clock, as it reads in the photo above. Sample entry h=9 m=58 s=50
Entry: h=5 m=35 s=40
